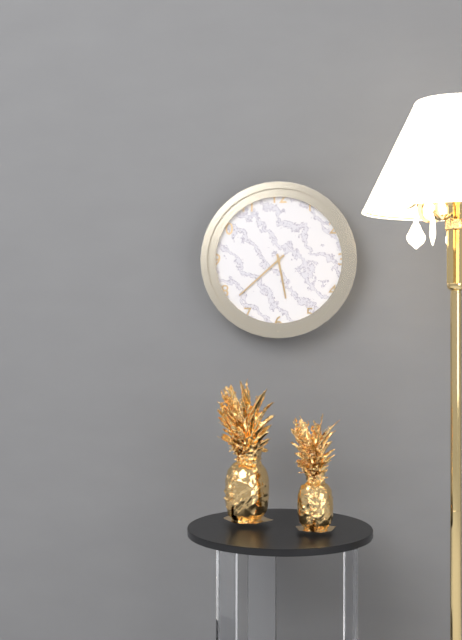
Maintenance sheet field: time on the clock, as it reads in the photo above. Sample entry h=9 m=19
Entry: h=5 m=38
